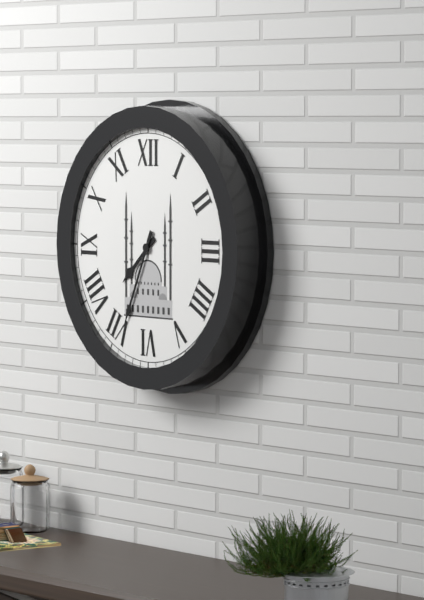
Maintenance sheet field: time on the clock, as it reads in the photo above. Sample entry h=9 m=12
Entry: h=7 m=34
